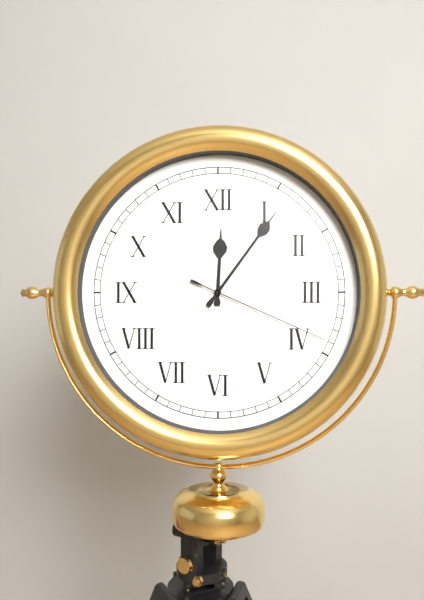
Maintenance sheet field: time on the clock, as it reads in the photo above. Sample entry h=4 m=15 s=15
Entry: h=12 m=6 s=19
